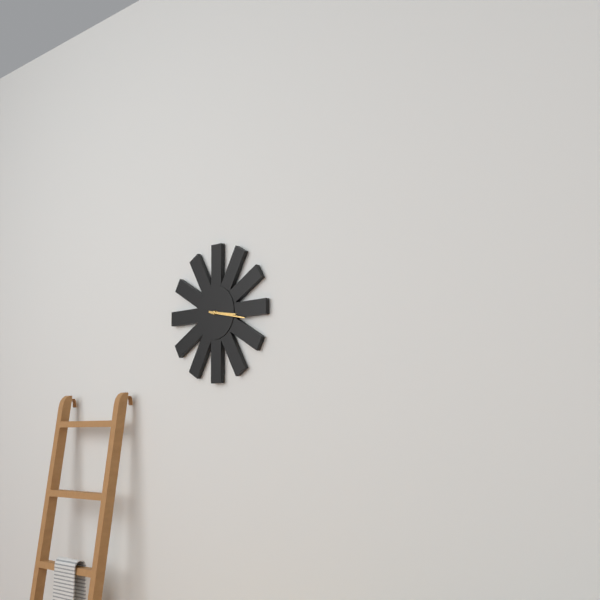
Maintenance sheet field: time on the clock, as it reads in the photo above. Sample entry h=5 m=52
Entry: h=3 m=17
